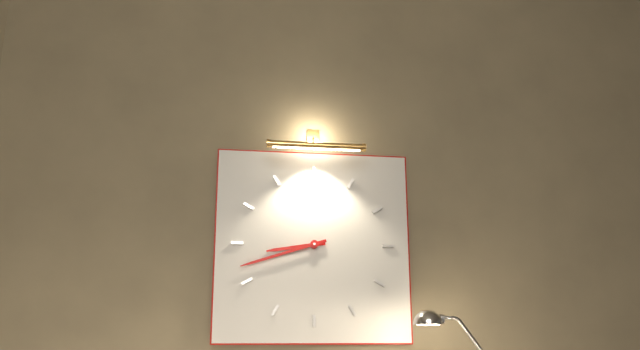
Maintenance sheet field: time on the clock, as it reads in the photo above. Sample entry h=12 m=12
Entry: h=8 m=42
